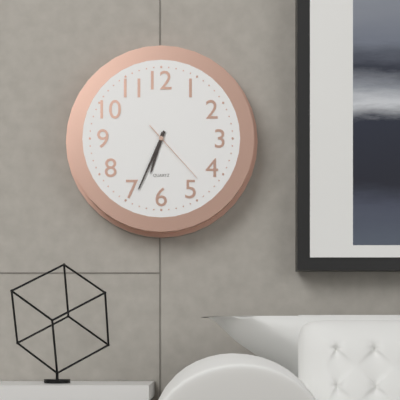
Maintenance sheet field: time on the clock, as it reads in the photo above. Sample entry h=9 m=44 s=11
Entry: h=6 m=34 s=23
